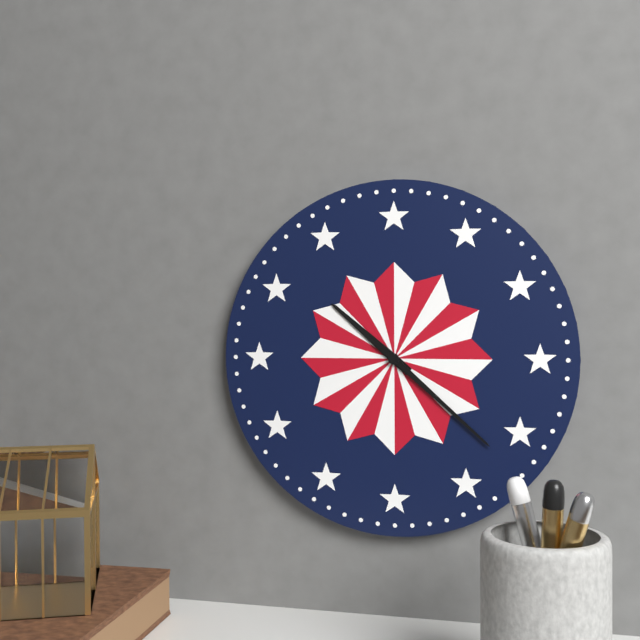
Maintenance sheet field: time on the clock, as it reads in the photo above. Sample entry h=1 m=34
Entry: h=10 m=22
